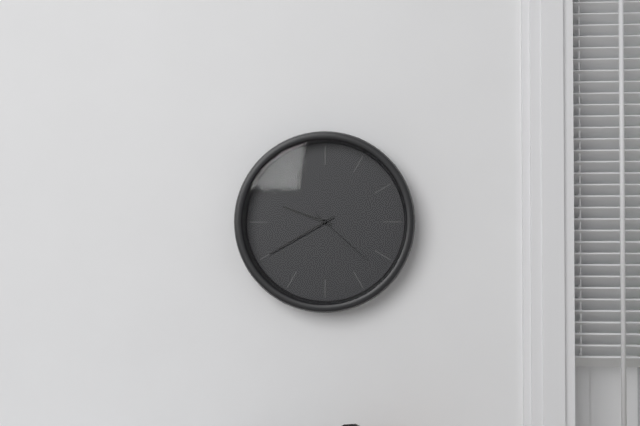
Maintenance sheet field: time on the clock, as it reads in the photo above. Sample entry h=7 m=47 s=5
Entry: h=9 m=40 s=22
